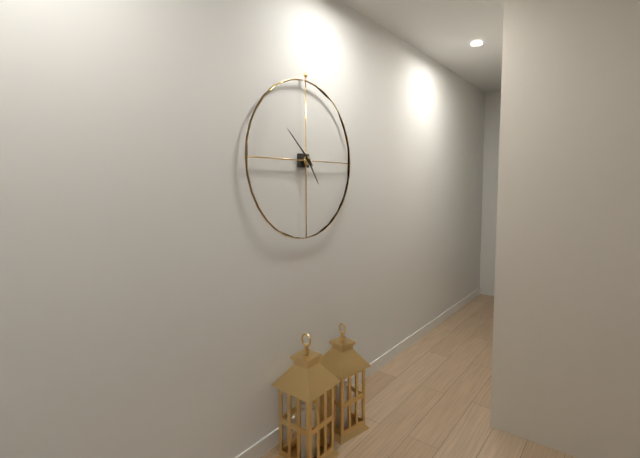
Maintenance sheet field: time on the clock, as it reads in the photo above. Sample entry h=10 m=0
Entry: h=4 m=52
